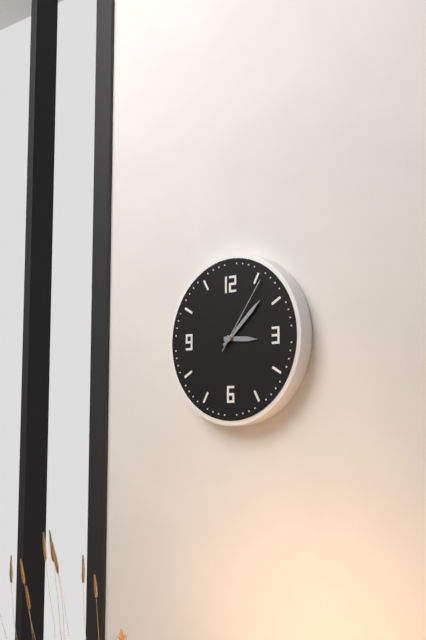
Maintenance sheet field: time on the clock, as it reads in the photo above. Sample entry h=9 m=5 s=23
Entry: h=3 m=8 s=6
